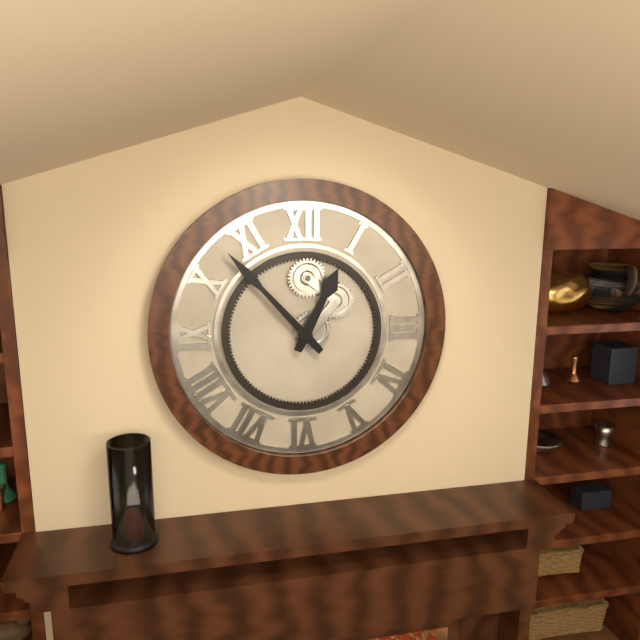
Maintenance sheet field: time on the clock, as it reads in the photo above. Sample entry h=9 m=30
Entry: h=12 m=53
